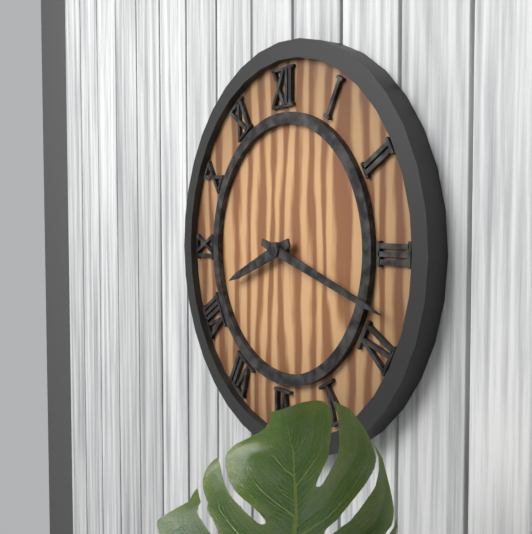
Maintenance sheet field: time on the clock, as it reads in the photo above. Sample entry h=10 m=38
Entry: h=8 m=18
